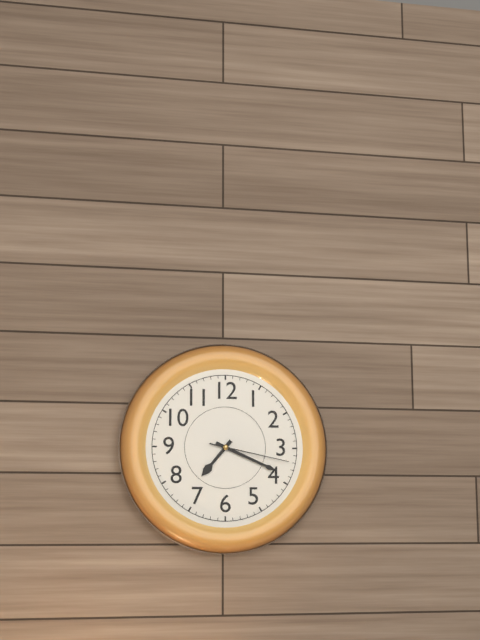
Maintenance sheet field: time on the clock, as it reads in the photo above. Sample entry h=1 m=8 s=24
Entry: h=7 m=19 s=17
